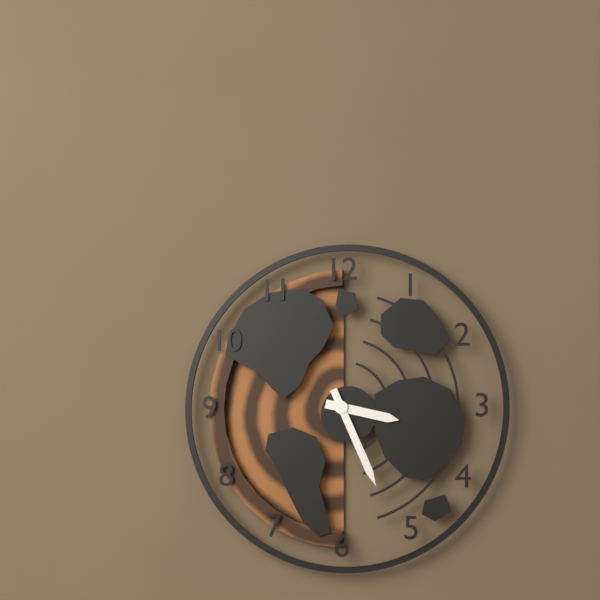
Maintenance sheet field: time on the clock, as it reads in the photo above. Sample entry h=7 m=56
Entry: h=3 m=26
